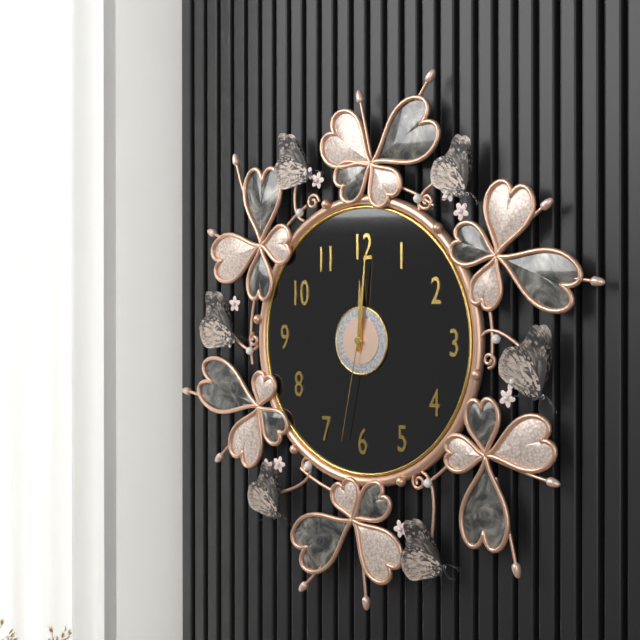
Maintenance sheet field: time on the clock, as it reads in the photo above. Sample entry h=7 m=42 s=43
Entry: h=12 m=1 s=32
